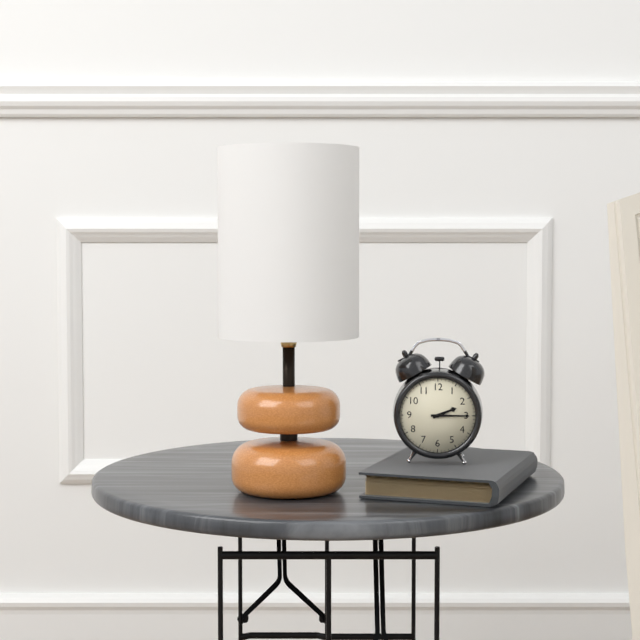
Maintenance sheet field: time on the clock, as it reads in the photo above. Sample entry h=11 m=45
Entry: h=2 m=15
